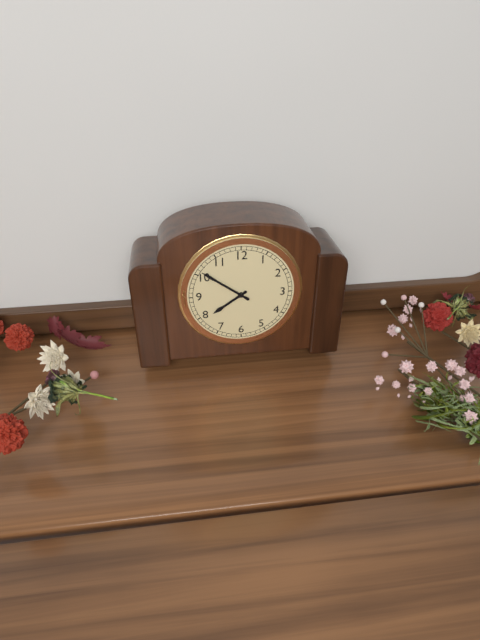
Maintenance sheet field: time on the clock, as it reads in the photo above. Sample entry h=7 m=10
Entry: h=7 m=51
